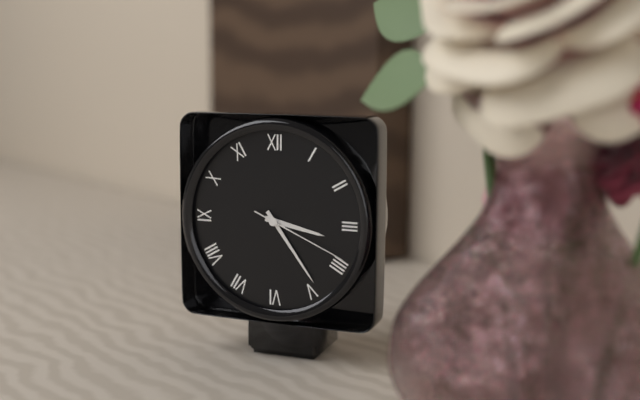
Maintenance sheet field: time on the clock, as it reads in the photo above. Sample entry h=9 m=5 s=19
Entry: h=3 m=24 s=19
